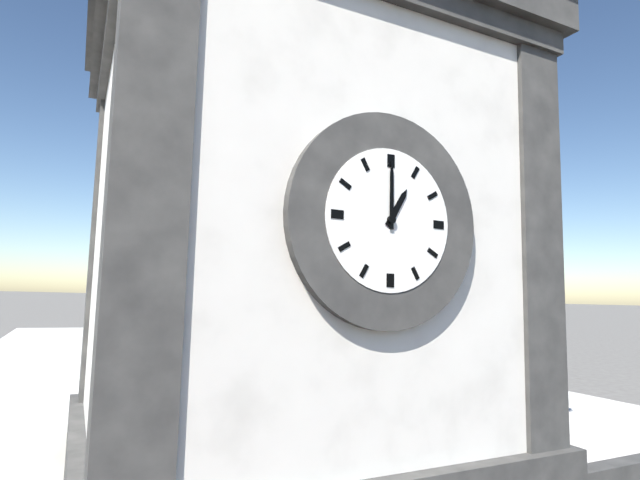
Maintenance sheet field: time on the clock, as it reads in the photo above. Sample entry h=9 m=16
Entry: h=1 m=0
